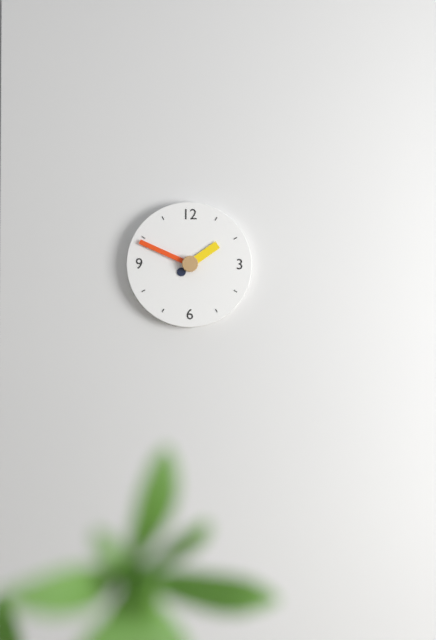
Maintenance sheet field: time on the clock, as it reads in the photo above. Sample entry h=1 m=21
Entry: h=1 m=49
